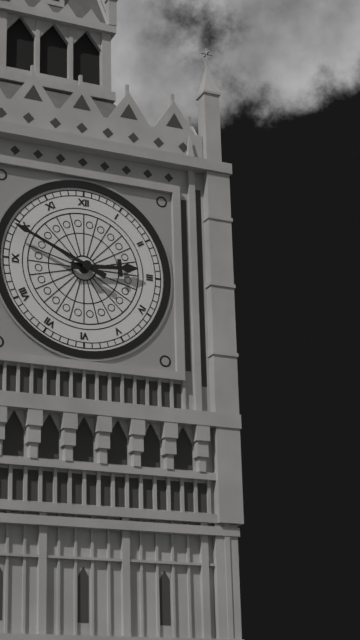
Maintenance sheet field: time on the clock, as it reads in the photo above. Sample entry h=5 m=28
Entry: h=2 m=49
